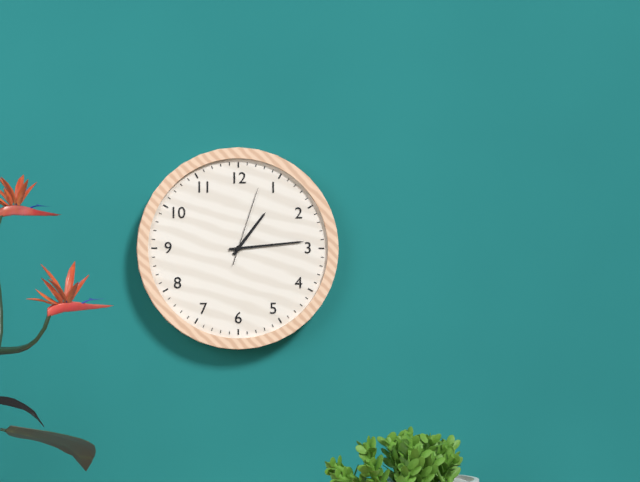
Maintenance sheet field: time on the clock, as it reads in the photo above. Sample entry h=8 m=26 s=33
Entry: h=1 m=14 s=3
